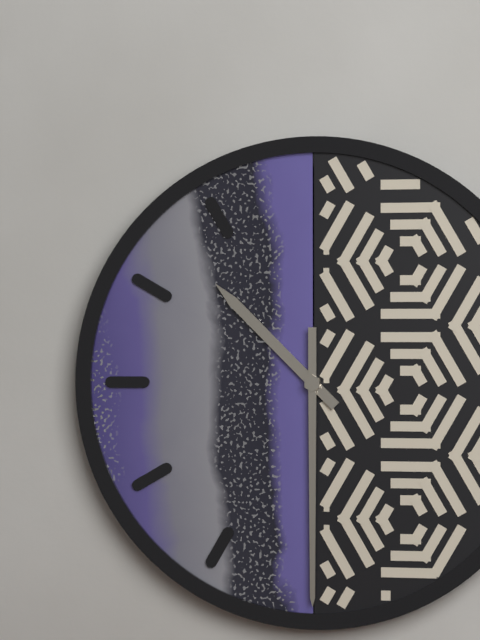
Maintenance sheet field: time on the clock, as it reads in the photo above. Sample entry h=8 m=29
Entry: h=10 m=30
